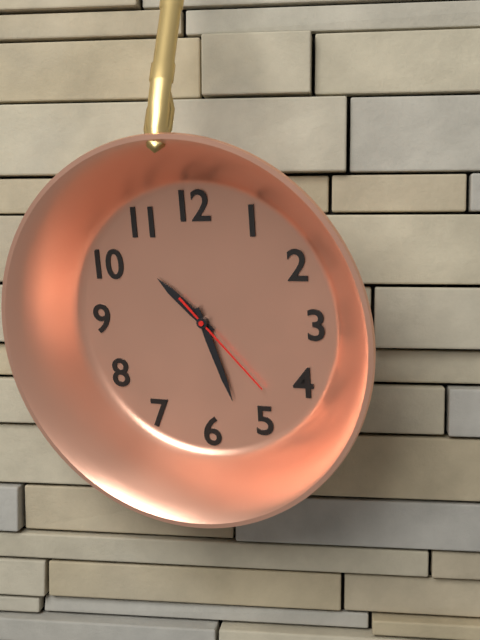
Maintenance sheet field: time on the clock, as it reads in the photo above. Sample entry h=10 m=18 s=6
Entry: h=10 m=27 s=23
